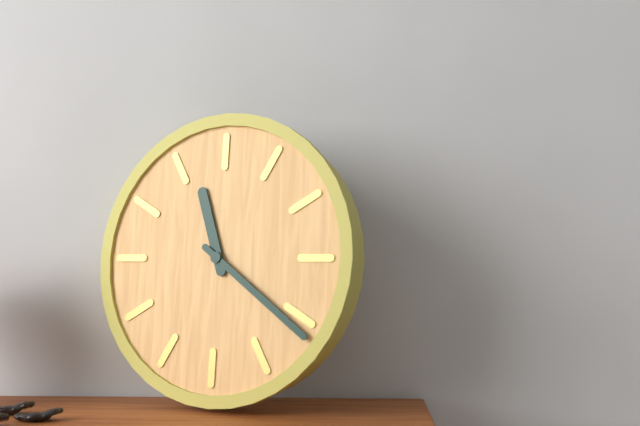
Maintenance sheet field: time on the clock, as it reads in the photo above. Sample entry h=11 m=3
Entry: h=11 m=21
